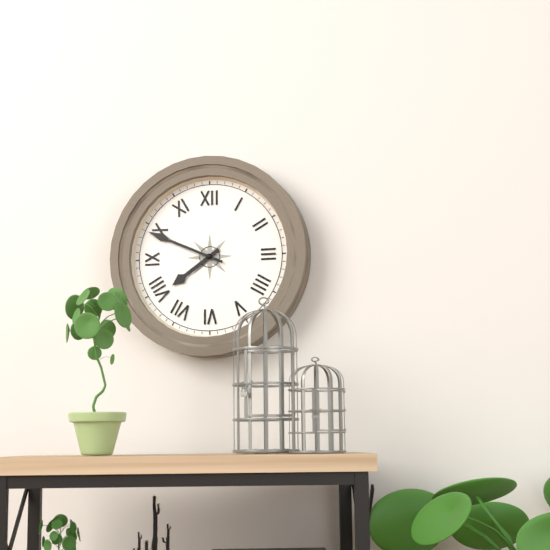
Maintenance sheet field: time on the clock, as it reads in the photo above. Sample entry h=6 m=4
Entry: h=7 m=49
